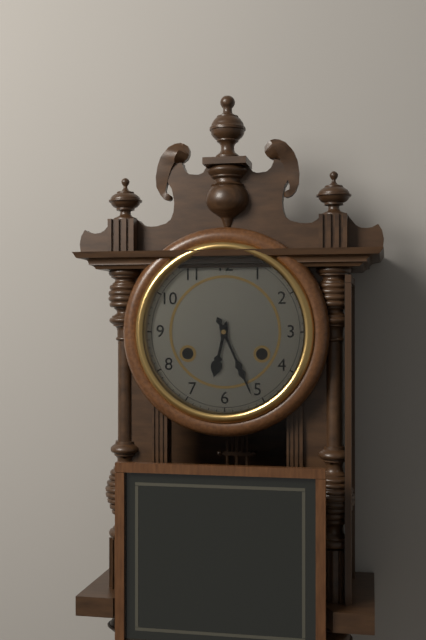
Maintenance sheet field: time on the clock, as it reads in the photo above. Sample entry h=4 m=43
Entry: h=6 m=26
